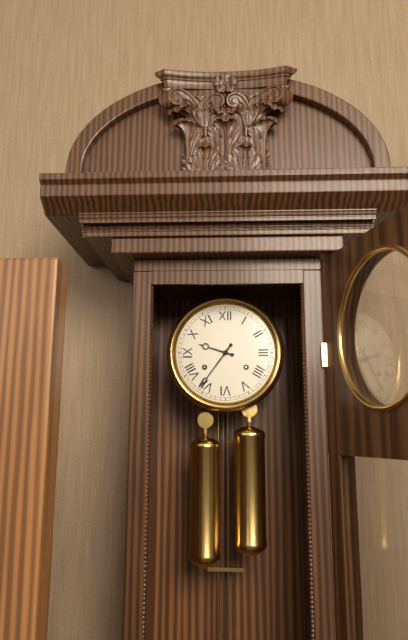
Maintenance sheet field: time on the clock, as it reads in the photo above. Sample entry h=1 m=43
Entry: h=9 m=36
